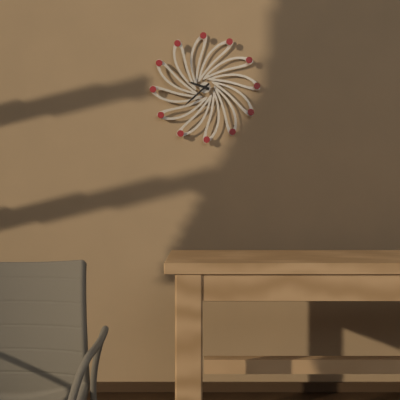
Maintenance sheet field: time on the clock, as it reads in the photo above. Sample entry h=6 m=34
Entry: h=9 m=38
